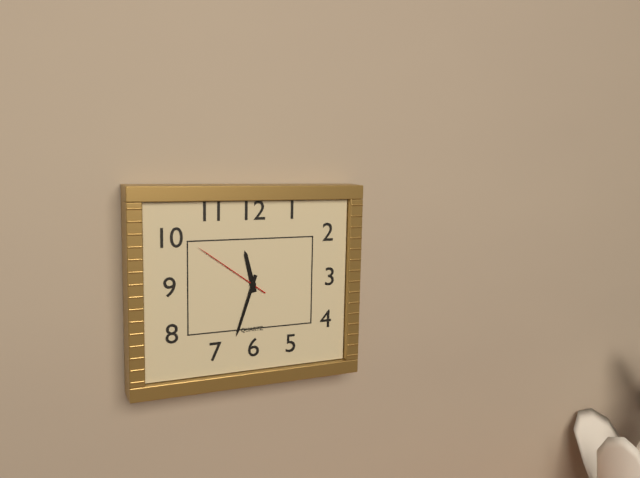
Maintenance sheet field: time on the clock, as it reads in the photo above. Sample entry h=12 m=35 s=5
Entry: h=11 m=33 s=51
